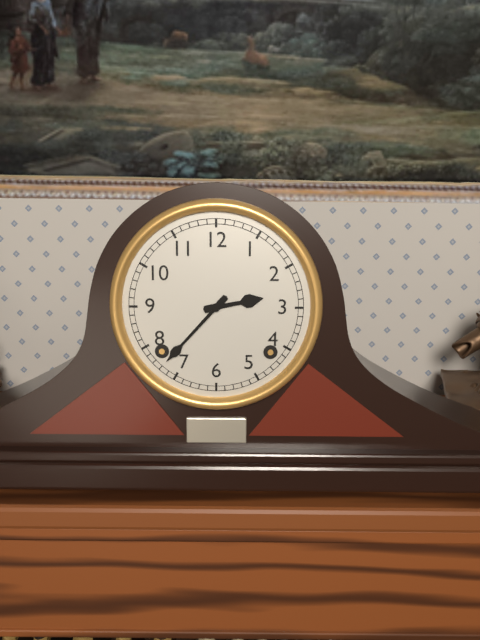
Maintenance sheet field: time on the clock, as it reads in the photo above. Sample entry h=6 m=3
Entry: h=2 m=37
